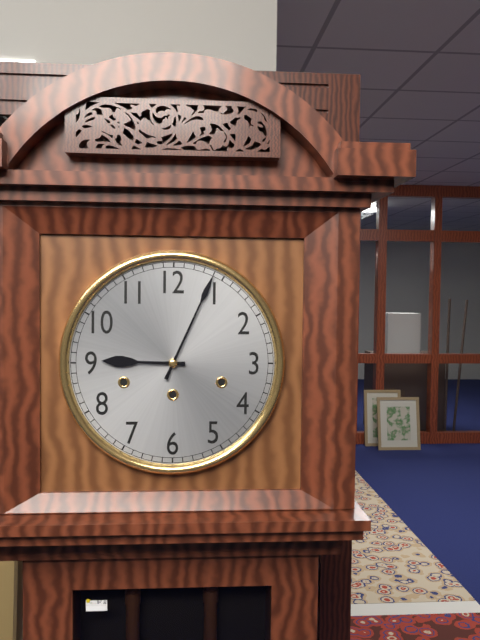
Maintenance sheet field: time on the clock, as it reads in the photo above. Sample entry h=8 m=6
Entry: h=9 m=4
